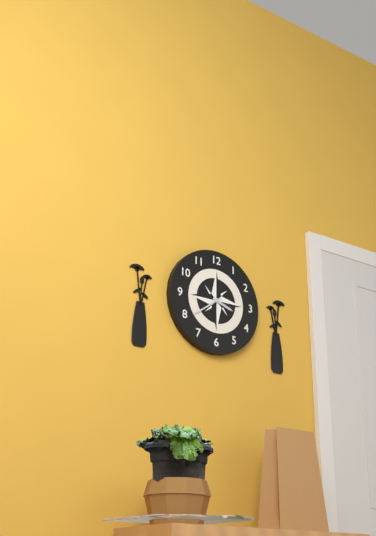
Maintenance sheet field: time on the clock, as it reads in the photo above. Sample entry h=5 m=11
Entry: h=3 m=39
